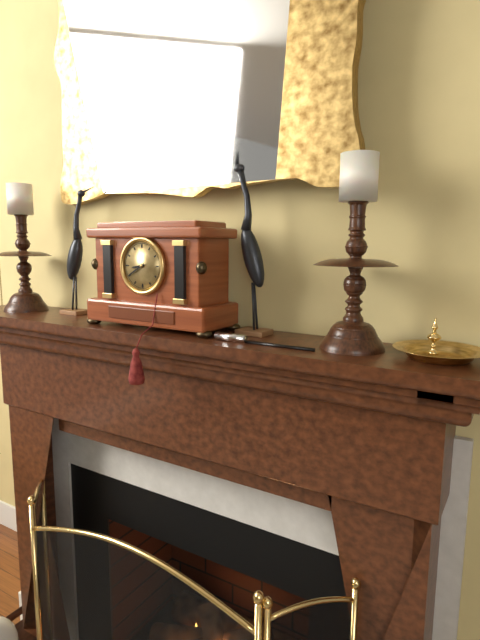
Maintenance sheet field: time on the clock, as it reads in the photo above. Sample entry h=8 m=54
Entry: h=8 m=40
